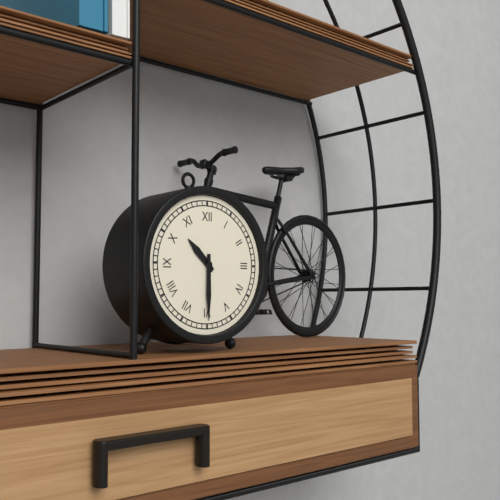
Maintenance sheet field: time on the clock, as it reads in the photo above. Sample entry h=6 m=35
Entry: h=10 m=30
